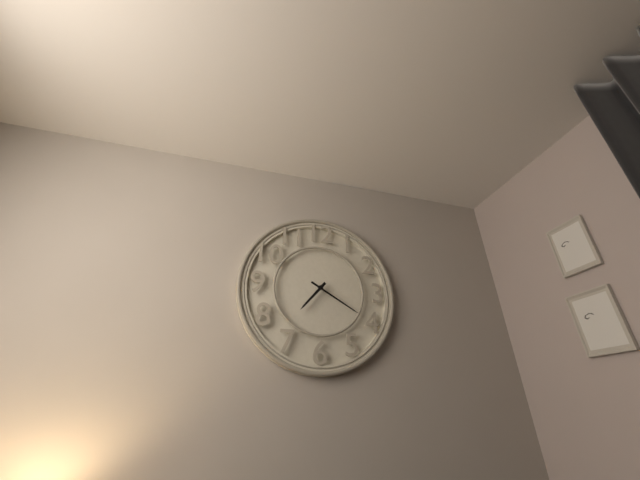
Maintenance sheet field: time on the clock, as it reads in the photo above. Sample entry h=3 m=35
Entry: h=7 m=20
